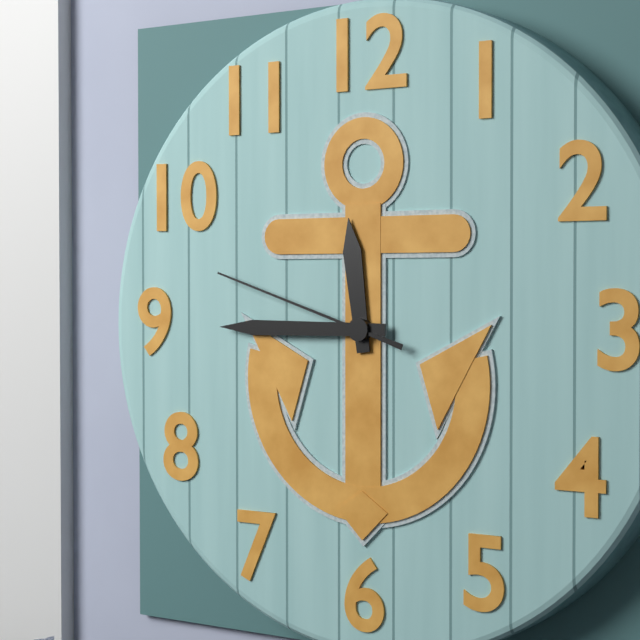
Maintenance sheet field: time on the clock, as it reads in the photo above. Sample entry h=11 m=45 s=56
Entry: h=11 m=45 s=48
